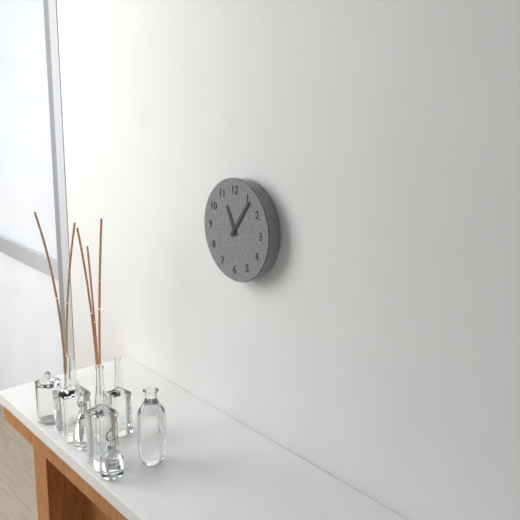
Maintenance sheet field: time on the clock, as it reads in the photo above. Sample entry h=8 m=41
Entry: h=11 m=6
